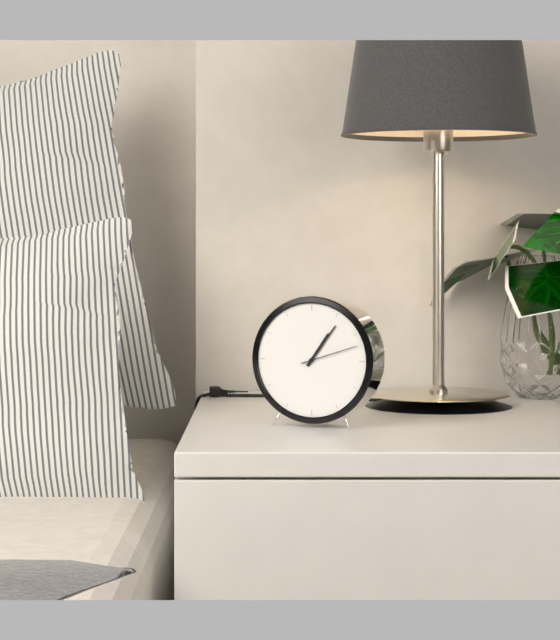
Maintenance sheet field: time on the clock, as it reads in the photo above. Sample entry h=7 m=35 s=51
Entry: h=1 m=6 s=12
